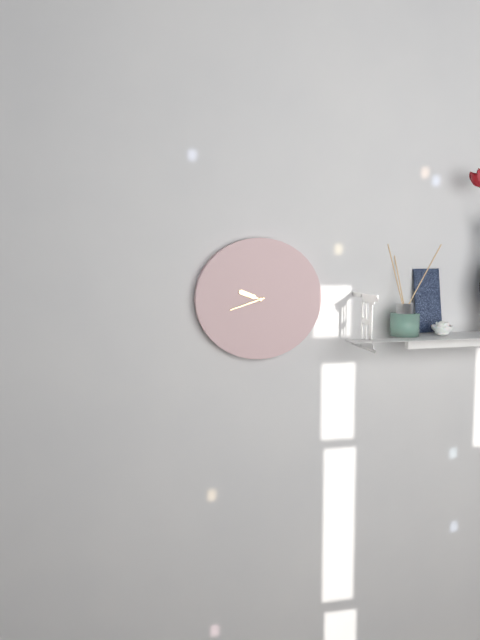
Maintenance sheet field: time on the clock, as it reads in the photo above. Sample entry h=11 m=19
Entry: h=9 m=42
